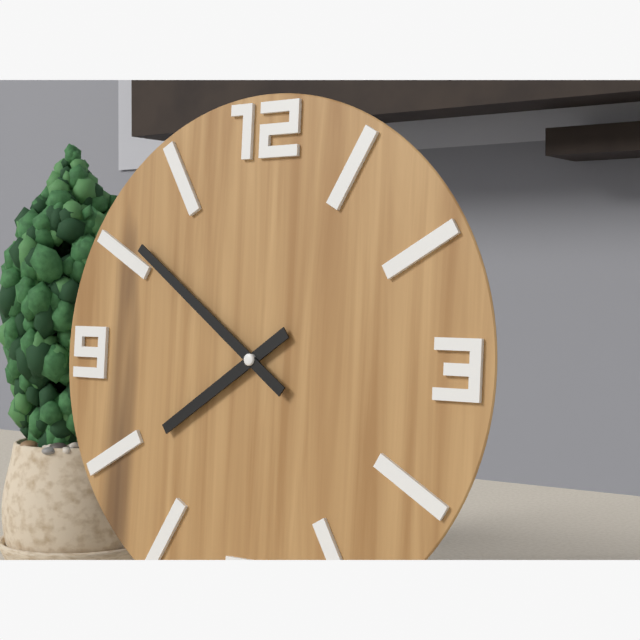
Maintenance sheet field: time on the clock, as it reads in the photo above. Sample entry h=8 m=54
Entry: h=7 m=51
